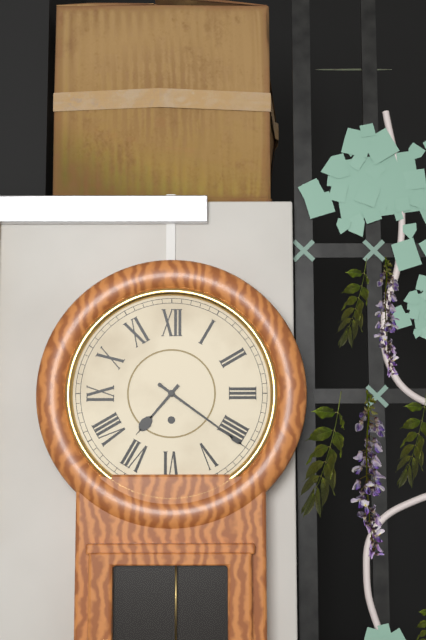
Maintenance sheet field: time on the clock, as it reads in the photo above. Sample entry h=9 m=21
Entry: h=7 m=21
